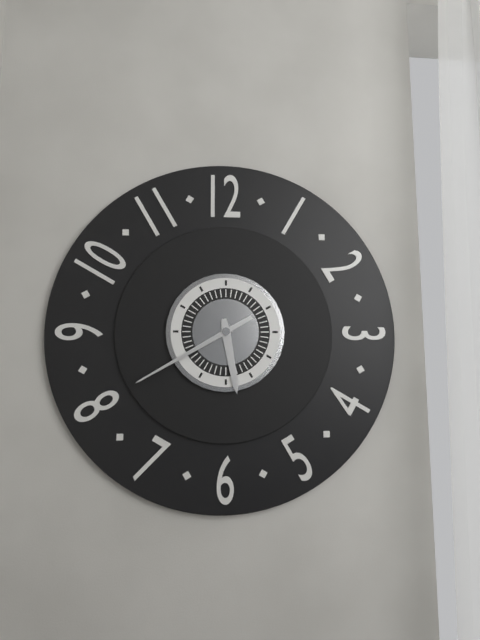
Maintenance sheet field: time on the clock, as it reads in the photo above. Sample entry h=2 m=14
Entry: h=5 m=40
